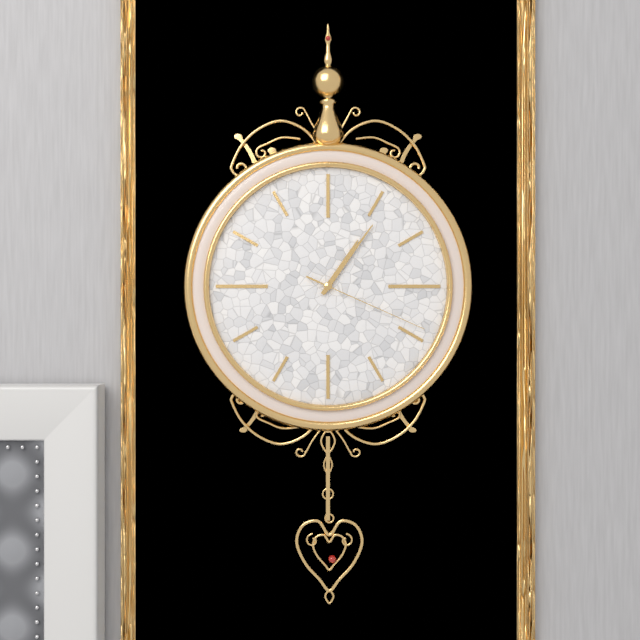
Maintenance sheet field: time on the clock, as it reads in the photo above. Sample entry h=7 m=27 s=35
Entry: h=1 m=6 s=19
